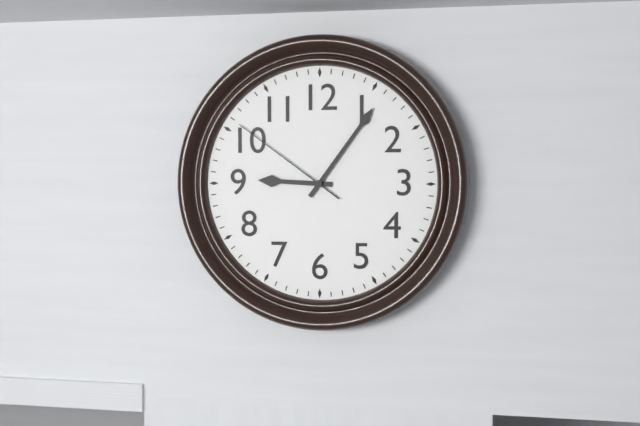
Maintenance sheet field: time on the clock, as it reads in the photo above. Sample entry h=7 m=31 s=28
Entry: h=9 m=6 s=51
